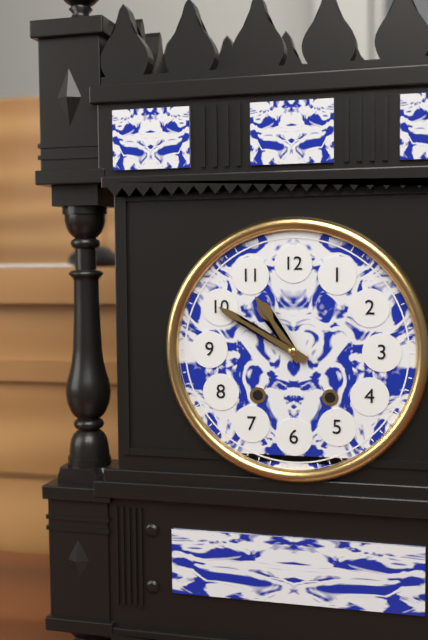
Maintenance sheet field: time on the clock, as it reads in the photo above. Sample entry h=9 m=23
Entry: h=10 m=50
